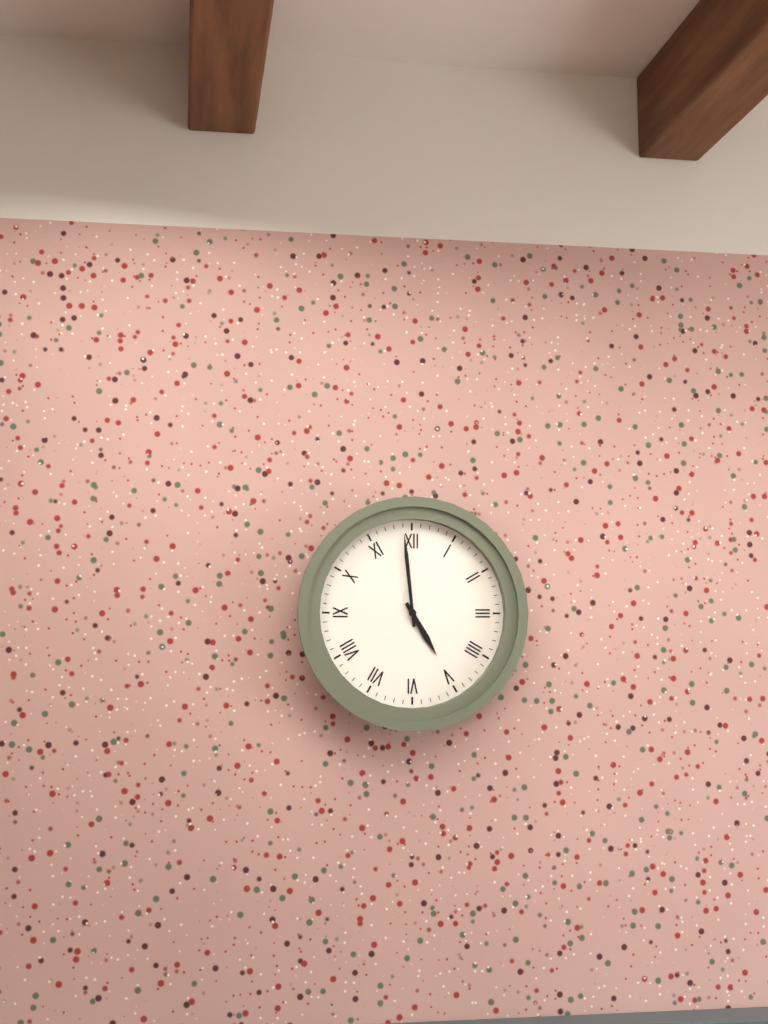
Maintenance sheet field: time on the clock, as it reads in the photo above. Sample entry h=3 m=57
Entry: h=4 m=59
